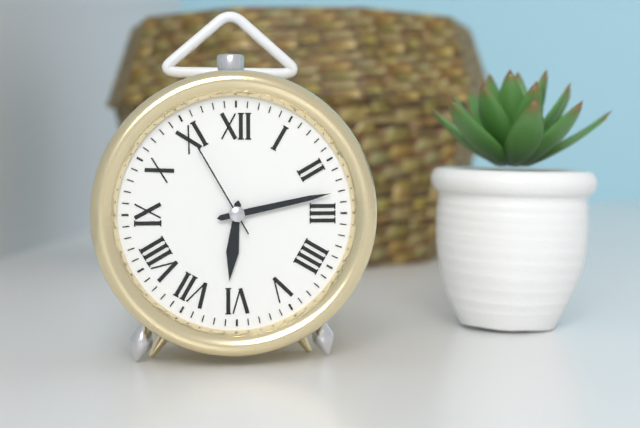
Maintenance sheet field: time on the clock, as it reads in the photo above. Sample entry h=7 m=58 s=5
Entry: h=6 m=13 s=55
